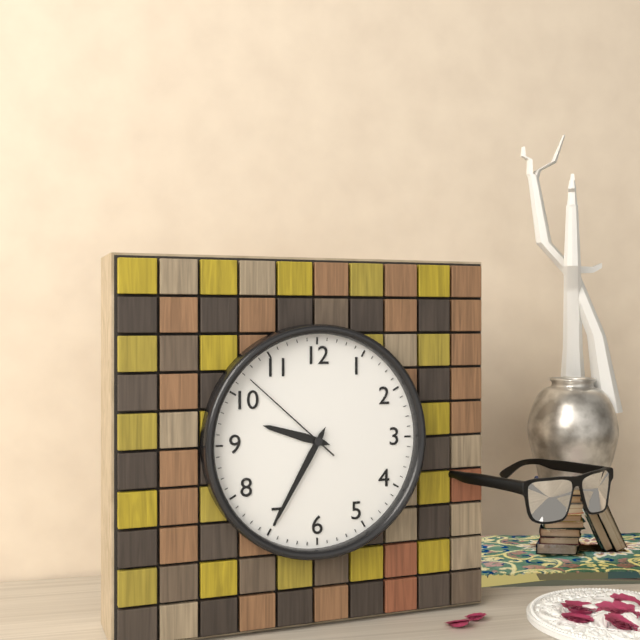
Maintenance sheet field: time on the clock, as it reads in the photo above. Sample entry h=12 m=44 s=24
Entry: h=9 m=35 s=52
